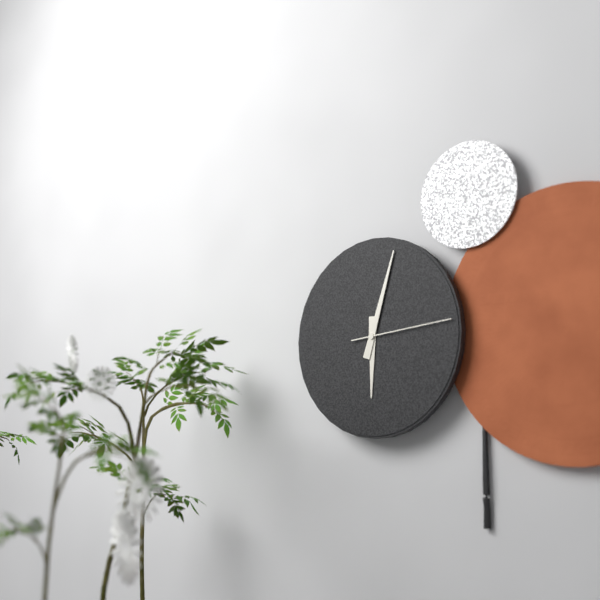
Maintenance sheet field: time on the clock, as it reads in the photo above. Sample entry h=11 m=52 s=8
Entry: h=6 m=3 s=14
